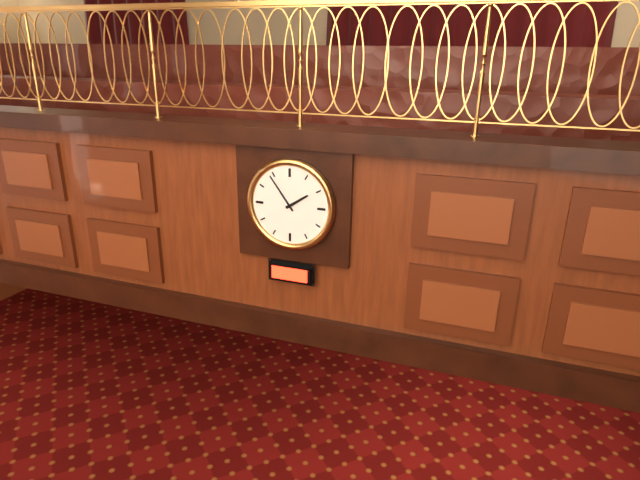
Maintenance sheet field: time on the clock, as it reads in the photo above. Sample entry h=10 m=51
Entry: h=1 m=54
